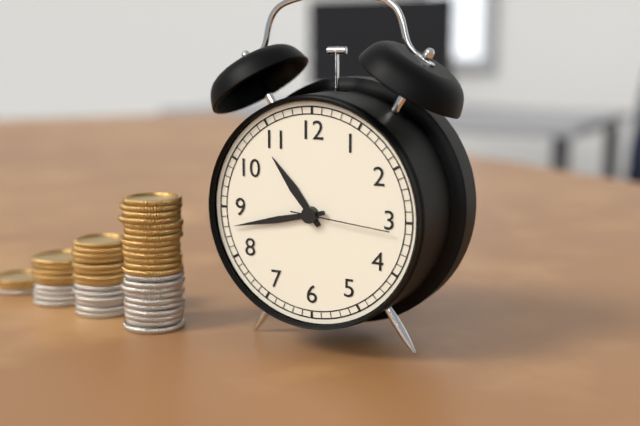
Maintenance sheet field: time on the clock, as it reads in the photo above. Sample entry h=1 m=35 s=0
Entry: h=10 m=43 s=16
